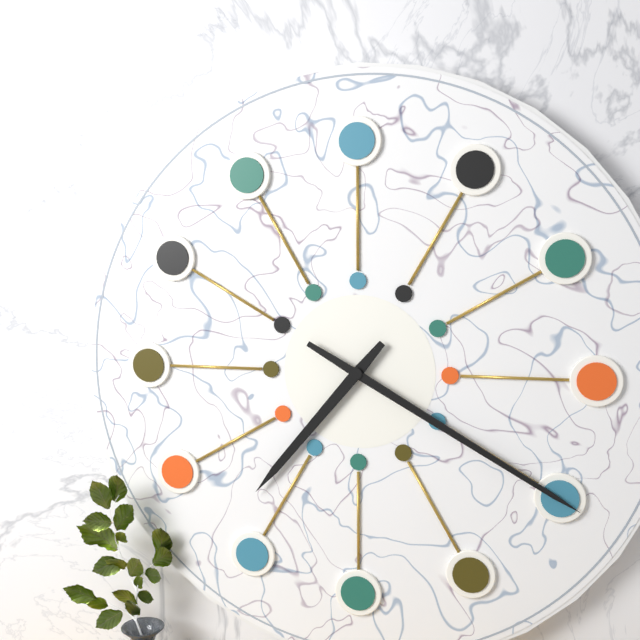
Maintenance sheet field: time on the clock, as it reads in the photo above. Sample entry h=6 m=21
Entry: h=7 m=20
